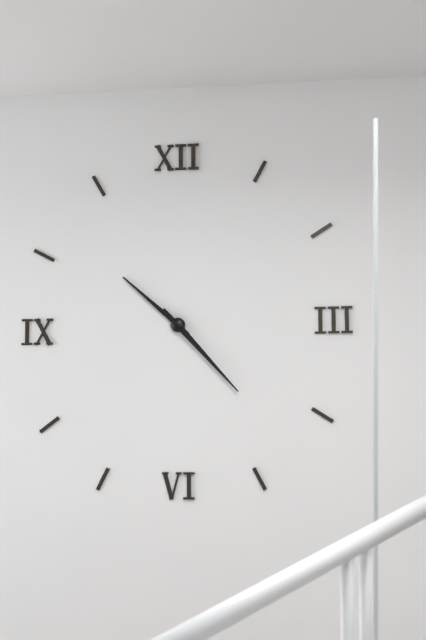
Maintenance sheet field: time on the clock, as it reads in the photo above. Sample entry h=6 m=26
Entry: h=10 m=23
